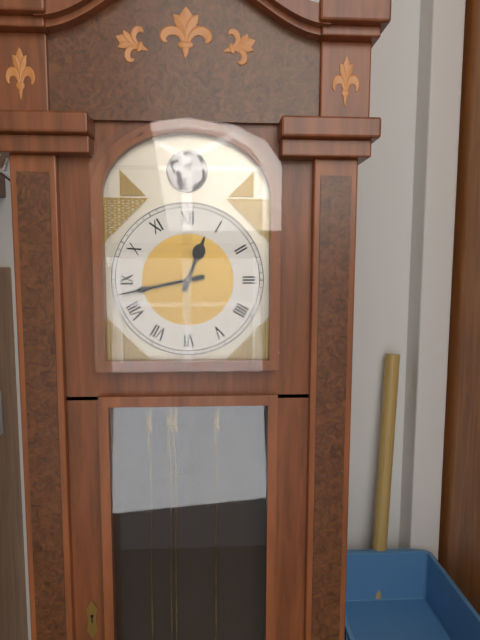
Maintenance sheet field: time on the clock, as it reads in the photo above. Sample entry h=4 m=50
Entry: h=12 m=43
